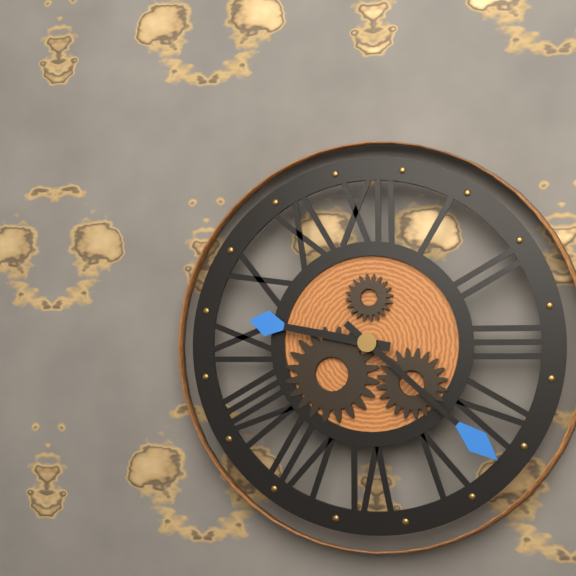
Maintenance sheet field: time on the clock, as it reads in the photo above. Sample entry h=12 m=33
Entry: h=9 m=22
